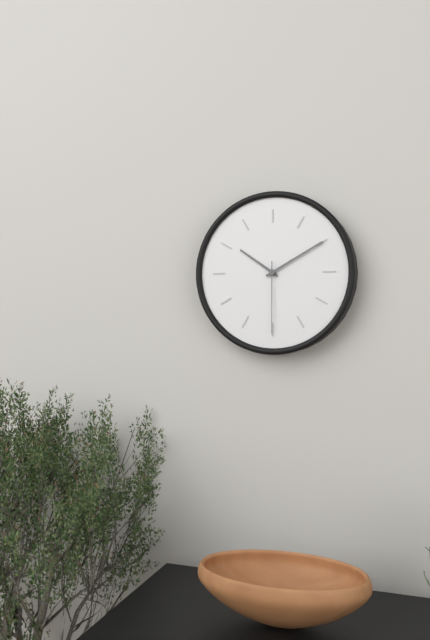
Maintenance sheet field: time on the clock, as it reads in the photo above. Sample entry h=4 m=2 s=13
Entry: h=10 m=10 s=30
